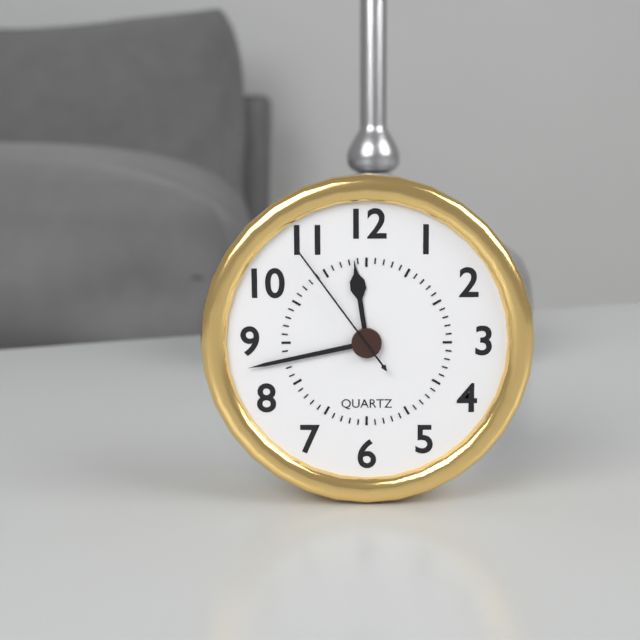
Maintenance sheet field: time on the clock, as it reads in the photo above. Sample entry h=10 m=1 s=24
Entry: h=11 m=43 s=54
